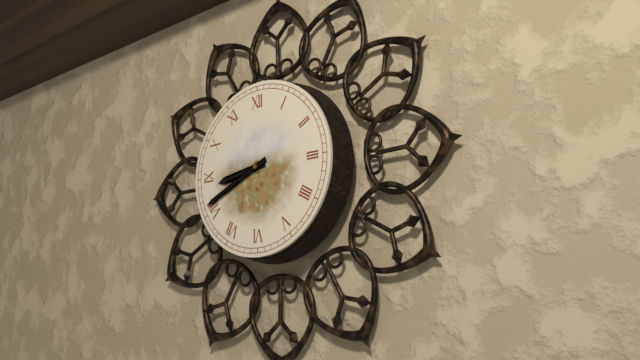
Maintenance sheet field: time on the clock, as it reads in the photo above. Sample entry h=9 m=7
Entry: h=8 m=41
